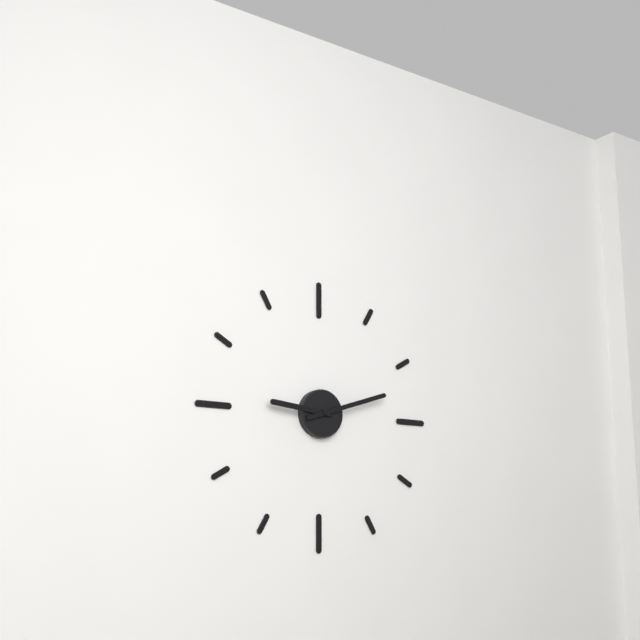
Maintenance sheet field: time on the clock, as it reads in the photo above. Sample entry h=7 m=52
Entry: h=9 m=12
